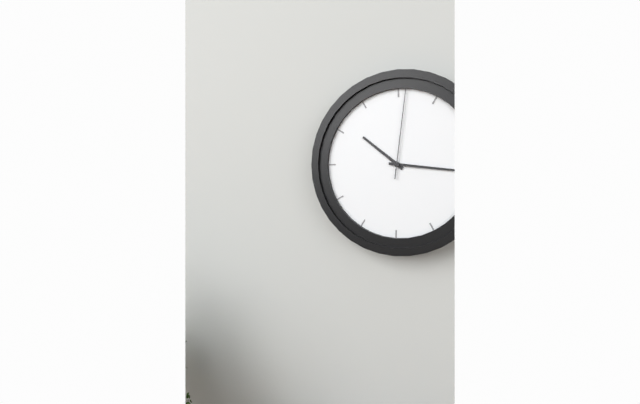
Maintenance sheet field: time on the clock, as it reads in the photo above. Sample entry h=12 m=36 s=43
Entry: h=10 m=16 s=1
